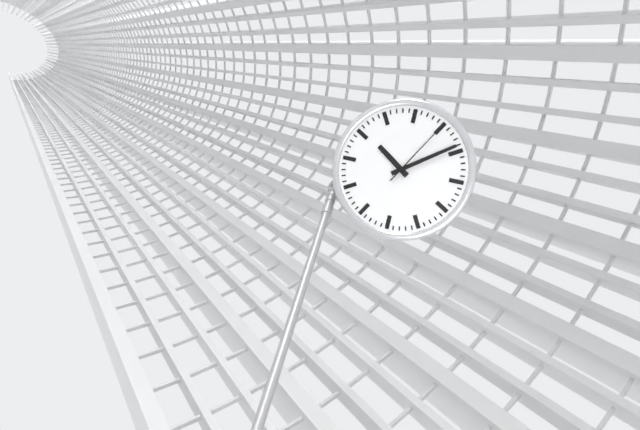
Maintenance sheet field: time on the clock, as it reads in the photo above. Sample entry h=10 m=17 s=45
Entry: h=10 m=9 s=5
